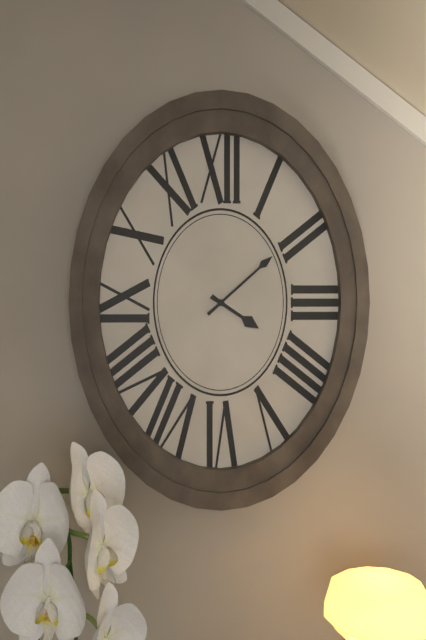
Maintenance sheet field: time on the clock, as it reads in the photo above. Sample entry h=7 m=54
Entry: h=4 m=8
